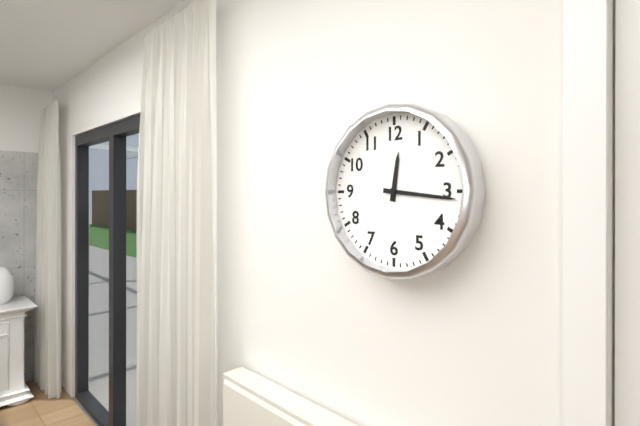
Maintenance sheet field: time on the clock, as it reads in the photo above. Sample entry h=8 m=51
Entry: h=12 m=16
